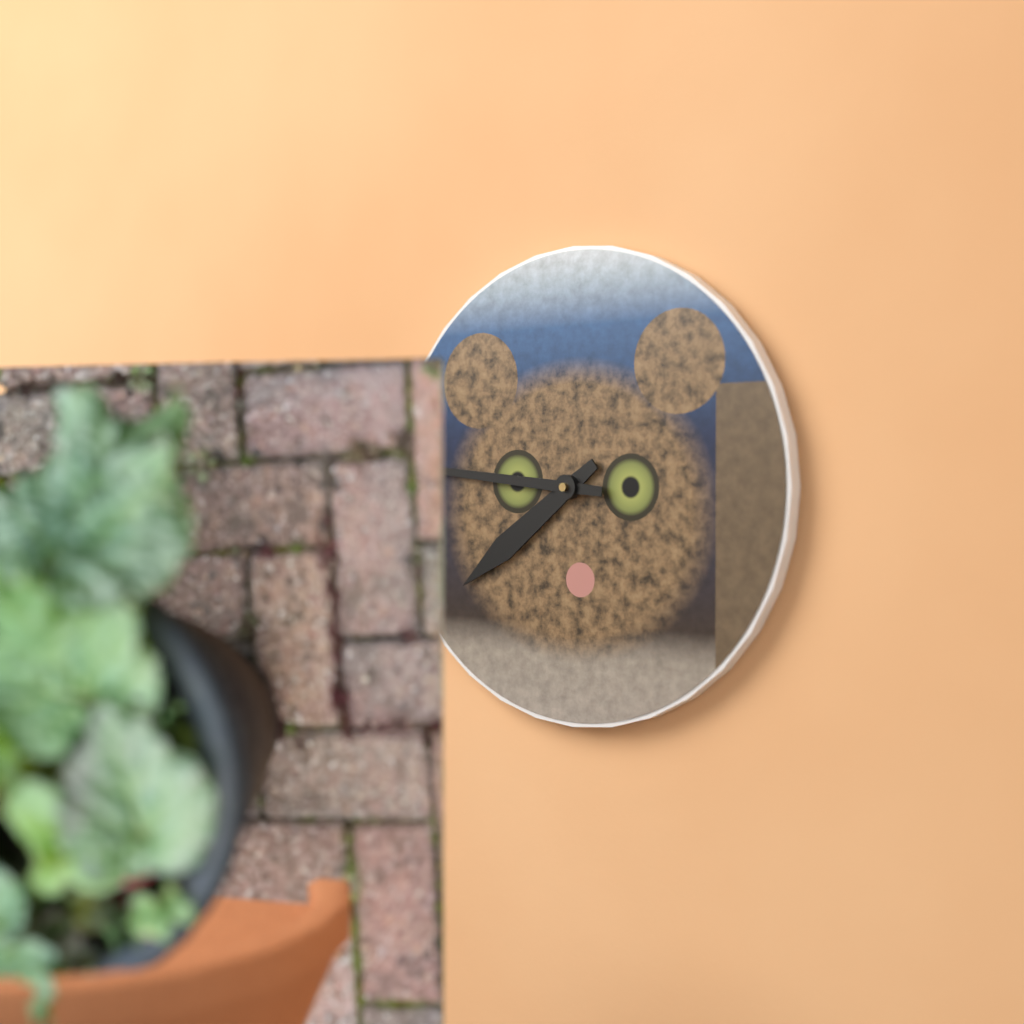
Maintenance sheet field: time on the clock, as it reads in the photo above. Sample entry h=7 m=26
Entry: h=7 m=46
